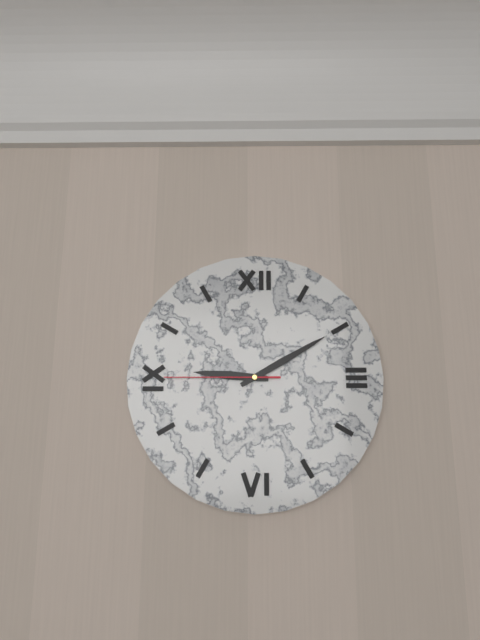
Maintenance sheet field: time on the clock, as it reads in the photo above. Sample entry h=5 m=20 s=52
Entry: h=9 m=10 s=45
